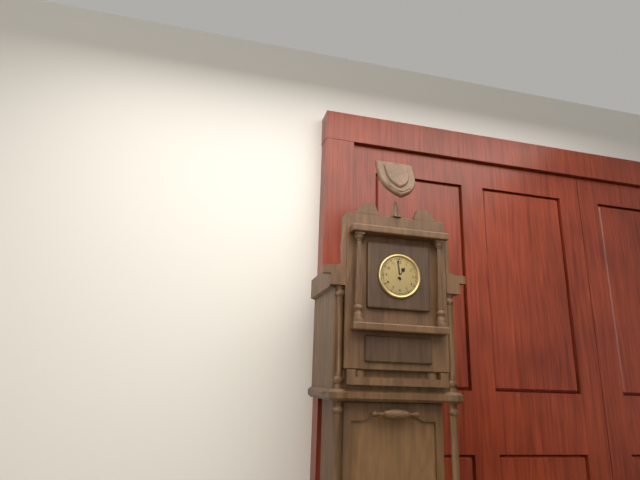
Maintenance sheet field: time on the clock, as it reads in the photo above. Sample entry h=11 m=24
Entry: h=12 m=59
